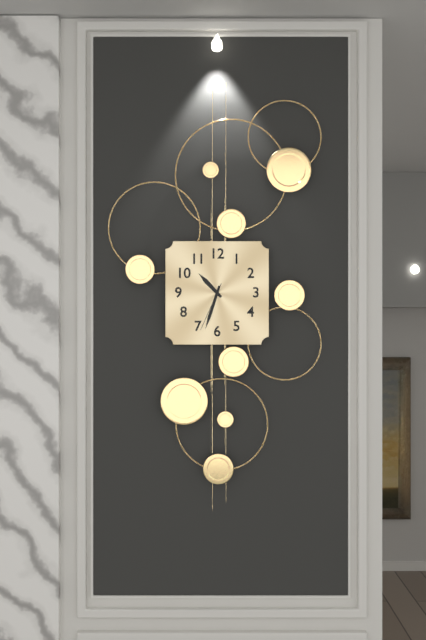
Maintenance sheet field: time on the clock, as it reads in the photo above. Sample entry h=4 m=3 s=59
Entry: h=10 m=33 s=34
